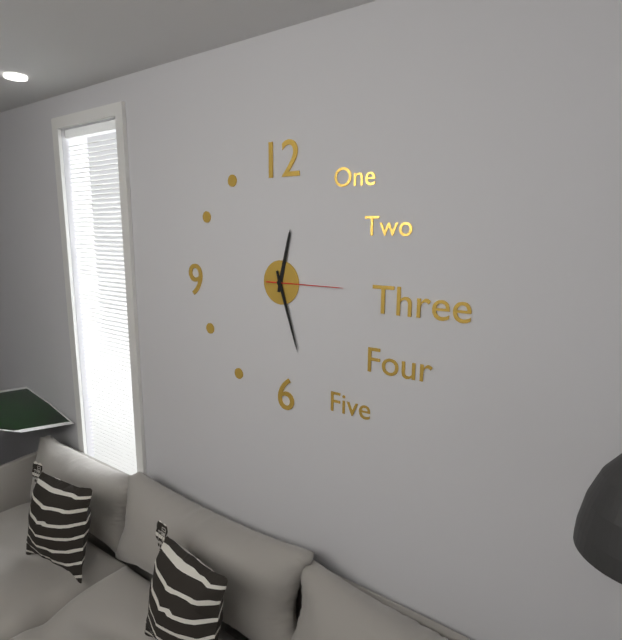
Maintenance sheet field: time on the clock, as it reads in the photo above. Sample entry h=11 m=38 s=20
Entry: h=12 m=27 s=15
